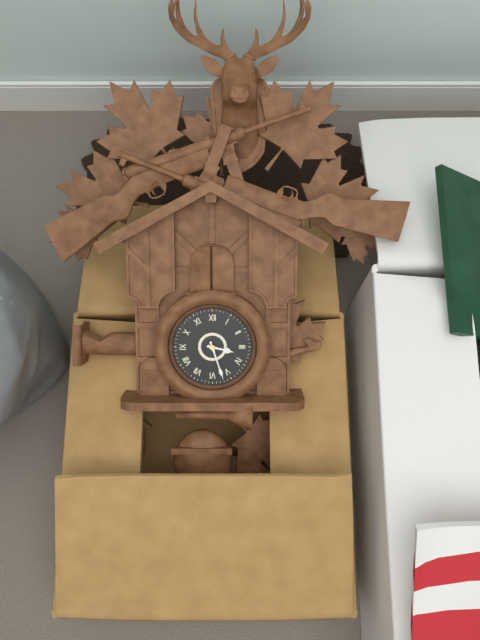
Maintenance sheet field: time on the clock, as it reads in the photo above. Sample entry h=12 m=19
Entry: h=3 m=27
